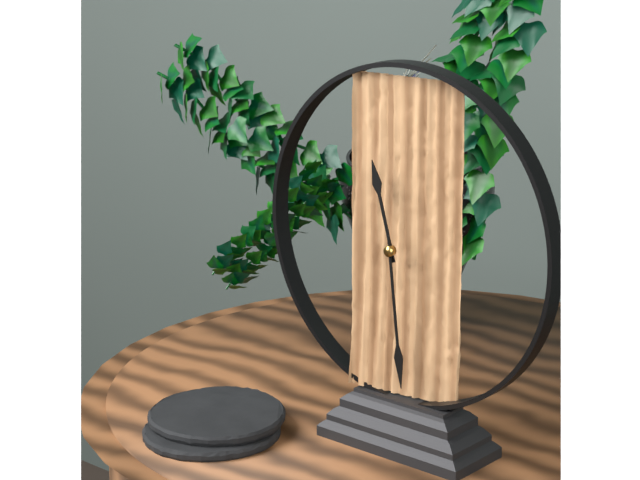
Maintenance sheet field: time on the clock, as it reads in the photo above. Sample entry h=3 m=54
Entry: h=11 m=29
